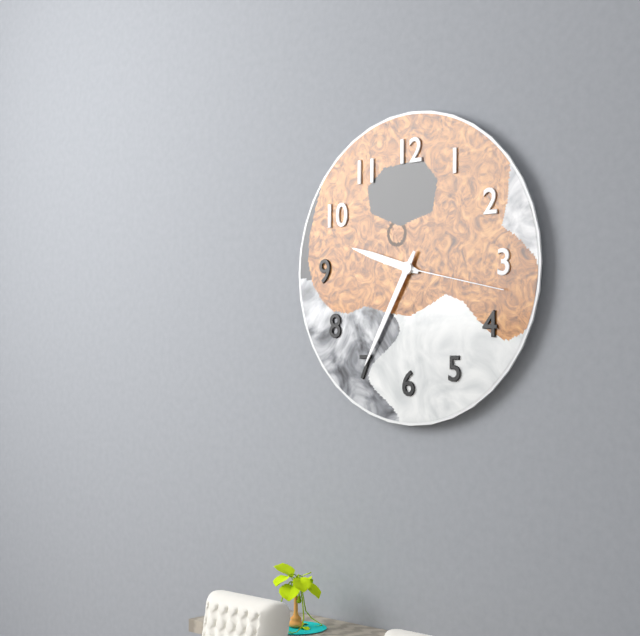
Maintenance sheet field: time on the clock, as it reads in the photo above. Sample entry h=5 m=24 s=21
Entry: h=9 m=35 s=17
